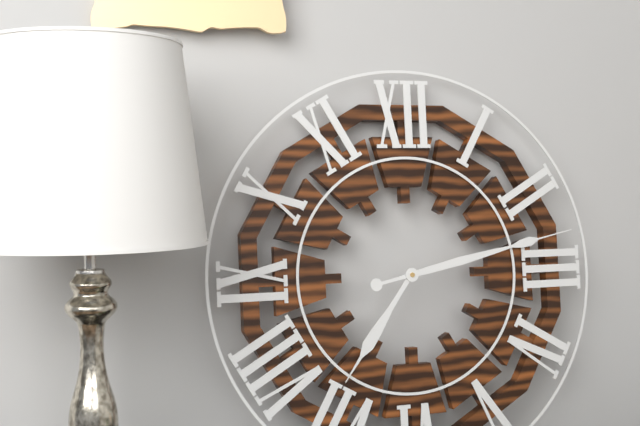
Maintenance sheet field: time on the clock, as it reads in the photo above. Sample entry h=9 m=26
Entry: h=7 m=13
